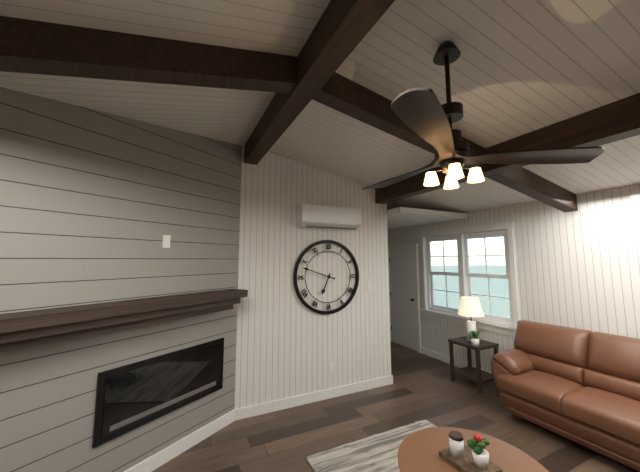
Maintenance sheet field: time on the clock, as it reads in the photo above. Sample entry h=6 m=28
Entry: h=6 m=48
